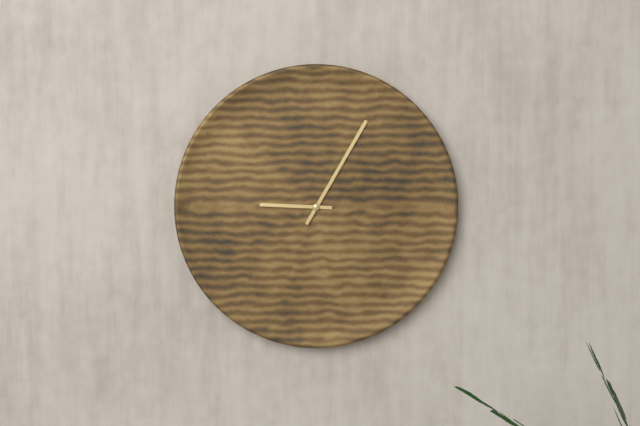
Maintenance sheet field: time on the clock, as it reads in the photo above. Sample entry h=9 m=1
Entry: h=9 m=5
